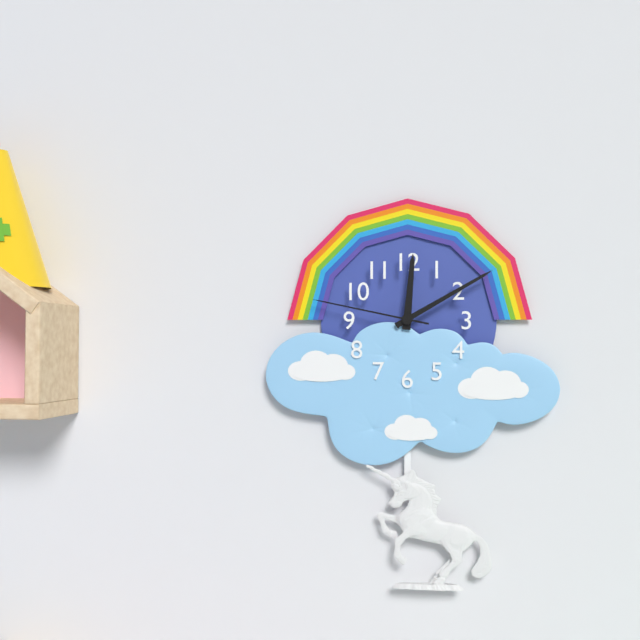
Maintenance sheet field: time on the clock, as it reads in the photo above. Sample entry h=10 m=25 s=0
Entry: h=12 m=10 s=47
